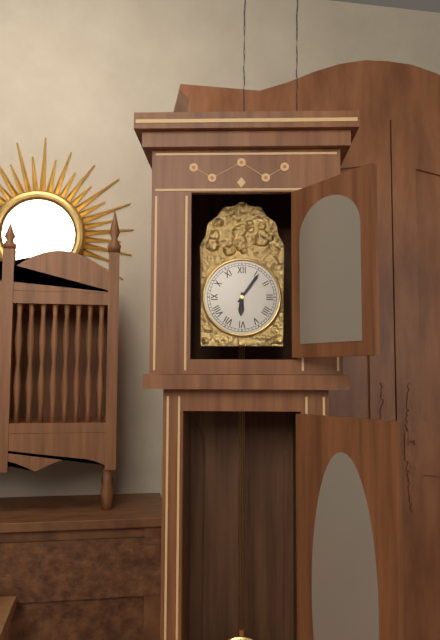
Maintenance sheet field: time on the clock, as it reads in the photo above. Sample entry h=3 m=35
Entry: h=6 m=6
